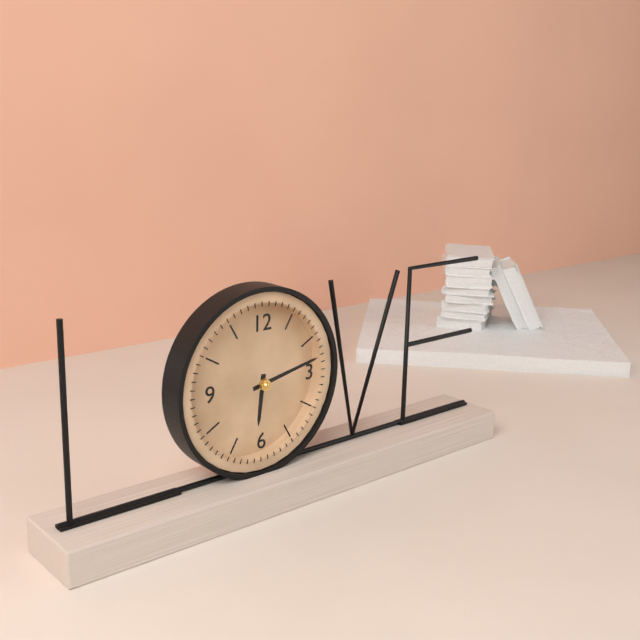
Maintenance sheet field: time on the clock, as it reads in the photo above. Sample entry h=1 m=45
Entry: h=6 m=13
